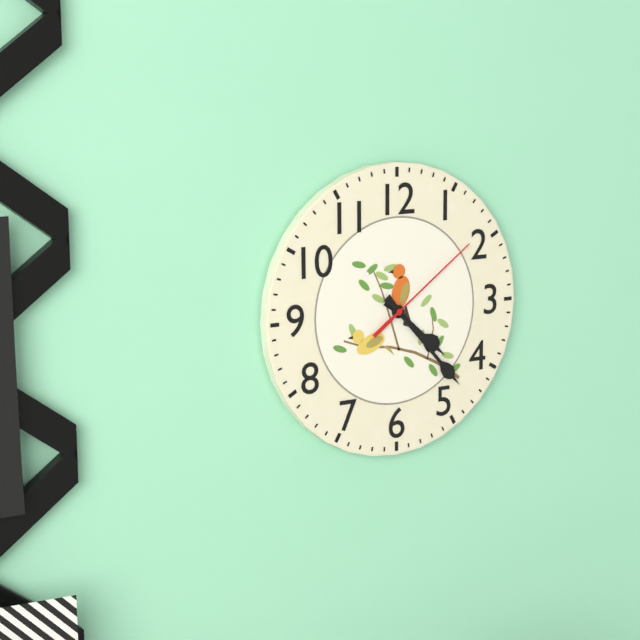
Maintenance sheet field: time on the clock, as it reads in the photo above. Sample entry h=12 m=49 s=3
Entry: h=4 m=23 s=9
